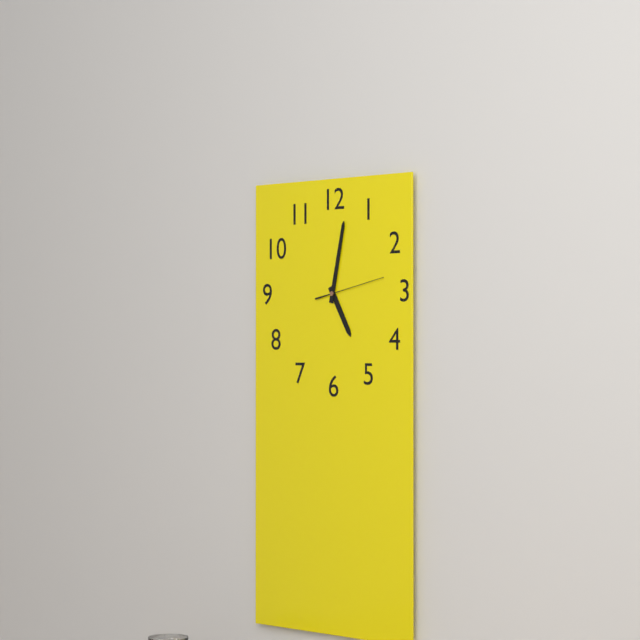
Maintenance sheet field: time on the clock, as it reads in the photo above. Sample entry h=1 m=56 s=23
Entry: h=5 m=2 s=13
